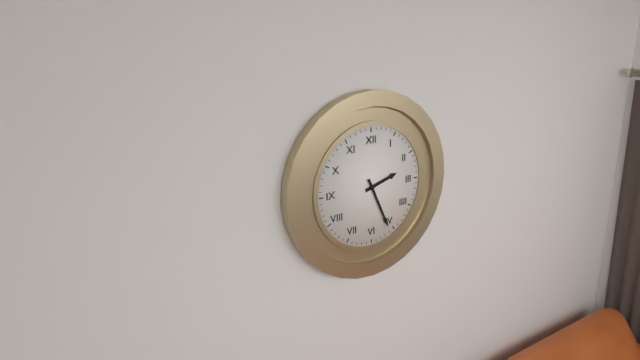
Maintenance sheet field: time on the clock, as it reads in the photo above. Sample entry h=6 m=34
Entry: h=2 m=26
